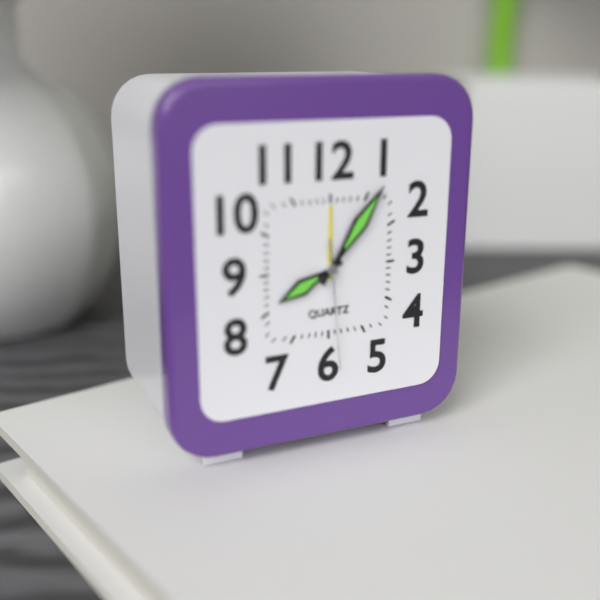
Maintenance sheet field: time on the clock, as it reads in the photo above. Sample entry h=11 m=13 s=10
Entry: h=8 m=6 s=29
